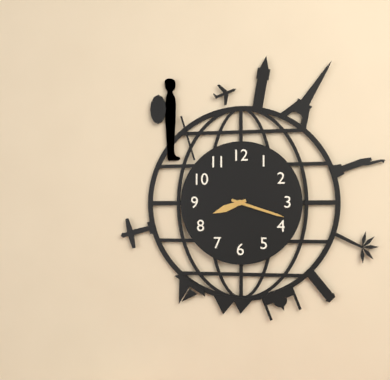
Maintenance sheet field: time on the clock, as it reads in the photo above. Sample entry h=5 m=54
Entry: h=8 m=18
